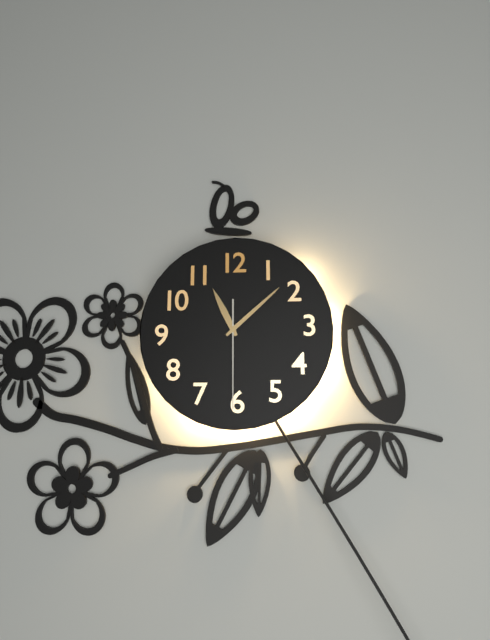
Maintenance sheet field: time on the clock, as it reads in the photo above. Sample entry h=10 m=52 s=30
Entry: h=11 m=8 s=30
